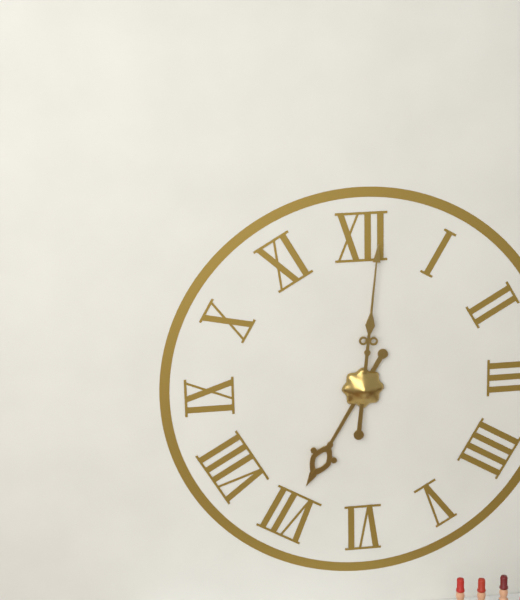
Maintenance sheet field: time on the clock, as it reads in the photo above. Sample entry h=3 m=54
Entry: h=7 m=1
